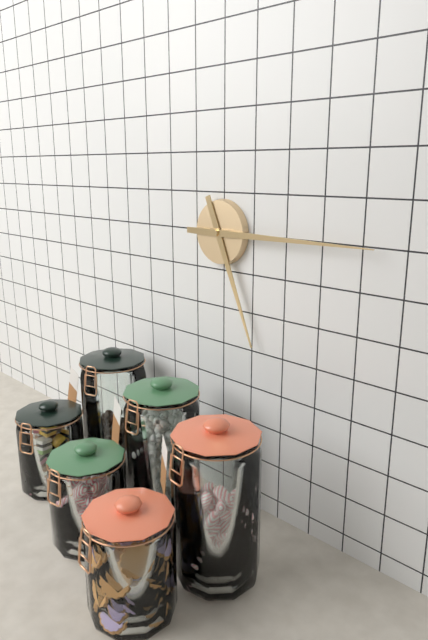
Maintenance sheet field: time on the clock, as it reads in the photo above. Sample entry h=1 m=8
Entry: h=5 m=15
